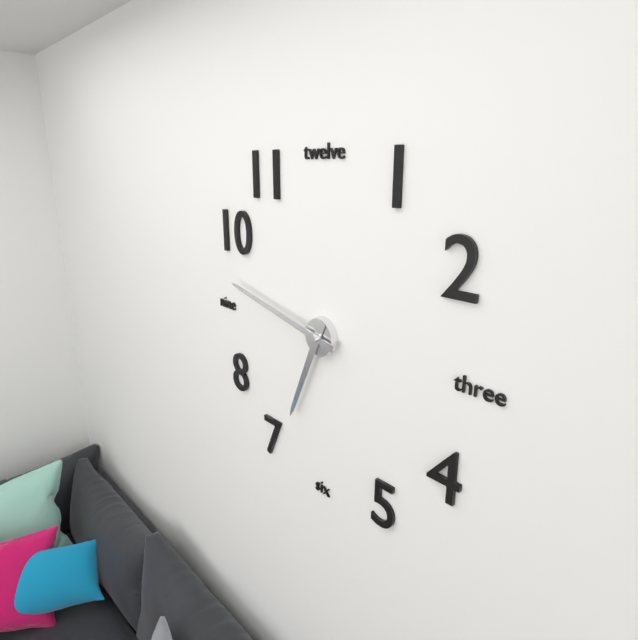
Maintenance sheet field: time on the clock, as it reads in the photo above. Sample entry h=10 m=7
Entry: h=6 m=47
